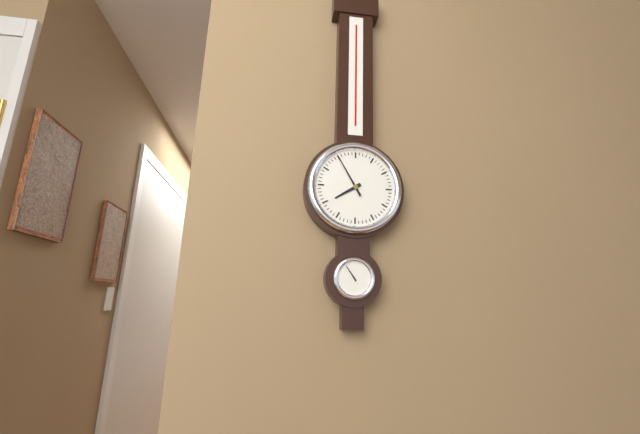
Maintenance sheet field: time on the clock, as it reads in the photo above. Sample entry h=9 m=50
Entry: h=7 m=55
